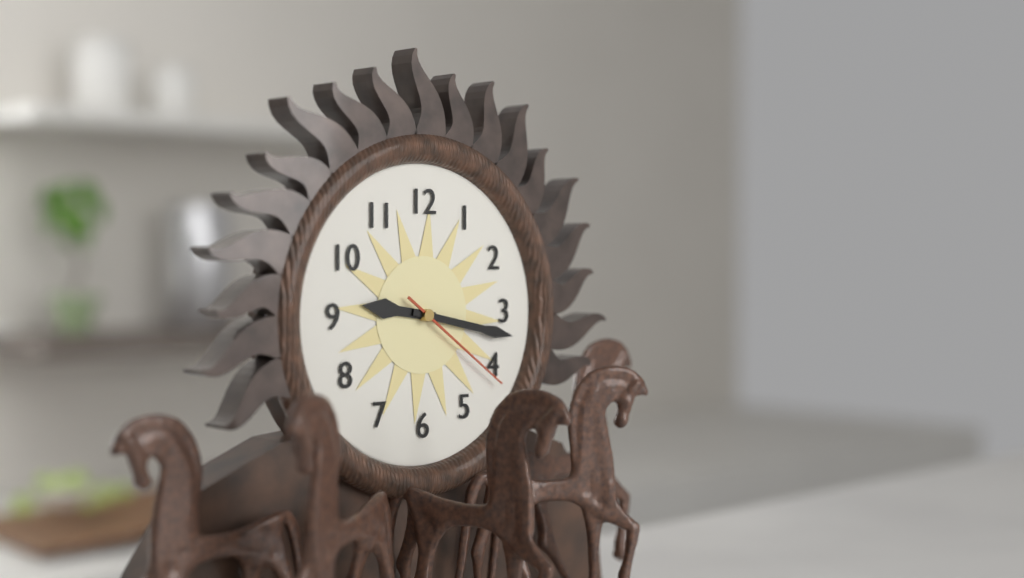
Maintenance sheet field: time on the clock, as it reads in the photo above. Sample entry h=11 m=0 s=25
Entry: h=9 m=17 s=21
